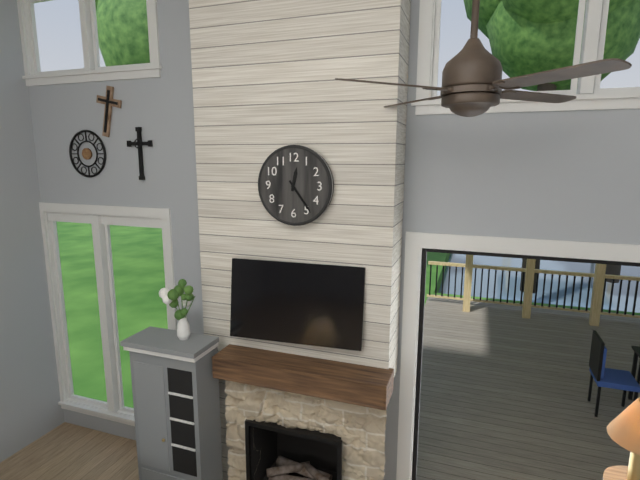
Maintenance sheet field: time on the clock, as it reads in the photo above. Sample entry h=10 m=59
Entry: h=12 m=24
